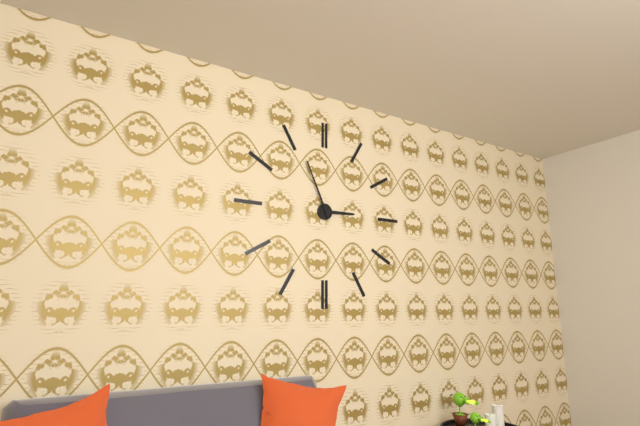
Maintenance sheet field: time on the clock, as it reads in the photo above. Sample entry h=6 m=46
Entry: h=2 m=56
